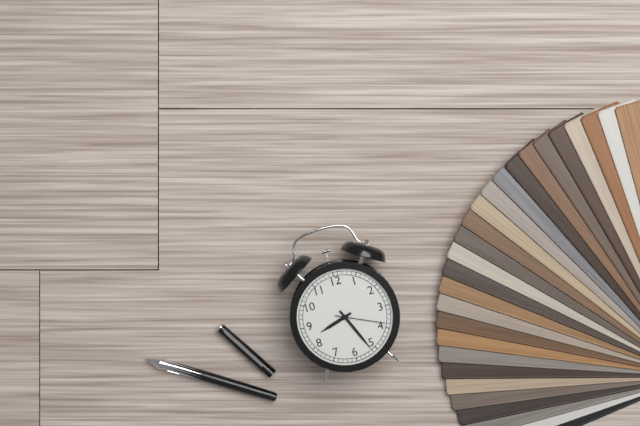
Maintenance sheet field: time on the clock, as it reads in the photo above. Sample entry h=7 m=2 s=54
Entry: h=8 m=26 s=19
